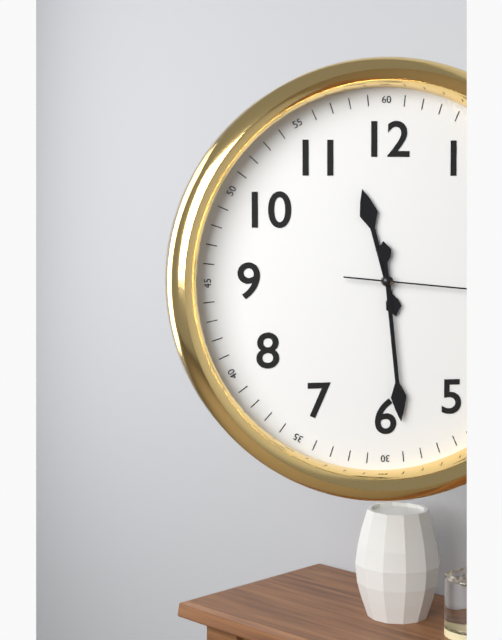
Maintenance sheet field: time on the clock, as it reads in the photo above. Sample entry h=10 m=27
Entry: h=11 m=29
